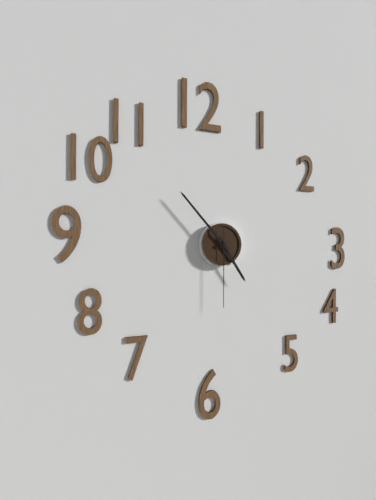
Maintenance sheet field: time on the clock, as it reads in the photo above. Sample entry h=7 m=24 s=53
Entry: h=4 m=53 s=30
